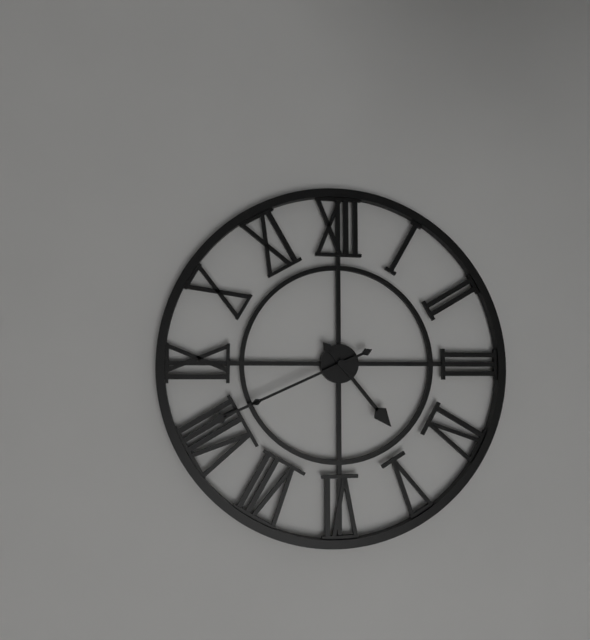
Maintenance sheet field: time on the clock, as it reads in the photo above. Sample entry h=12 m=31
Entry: h=4 m=41
